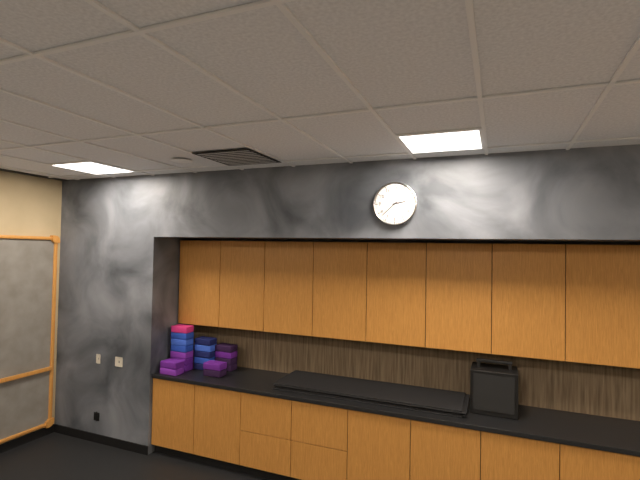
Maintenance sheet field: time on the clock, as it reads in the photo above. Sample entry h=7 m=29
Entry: h=2 m=38
